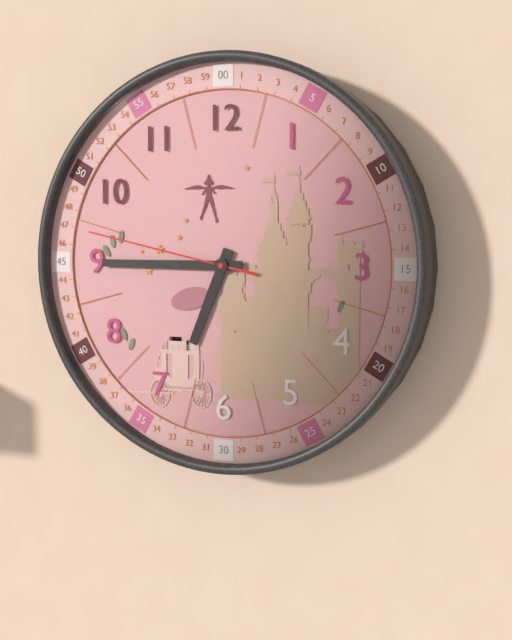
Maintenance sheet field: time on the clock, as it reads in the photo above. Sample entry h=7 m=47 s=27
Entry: h=6 m=45 s=47
